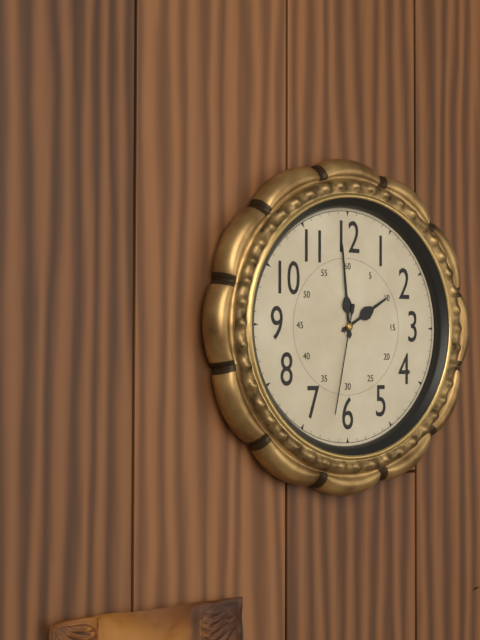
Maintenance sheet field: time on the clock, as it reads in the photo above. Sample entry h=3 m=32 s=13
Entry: h=1 m=59 s=32
